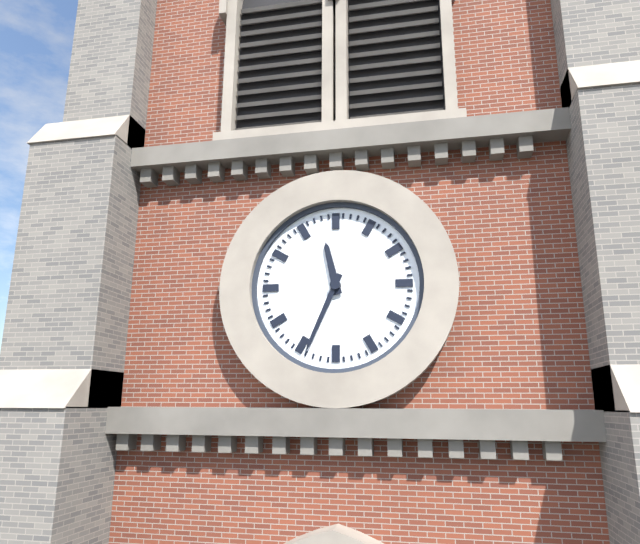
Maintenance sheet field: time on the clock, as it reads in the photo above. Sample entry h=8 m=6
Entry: h=11 m=34
